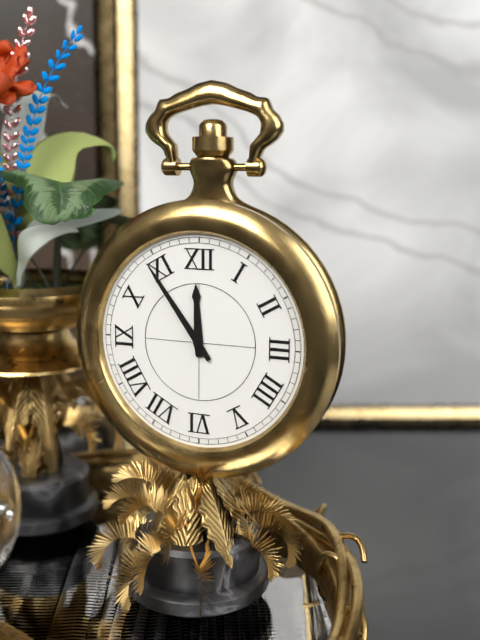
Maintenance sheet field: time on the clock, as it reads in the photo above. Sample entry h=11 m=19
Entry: h=11 m=54
